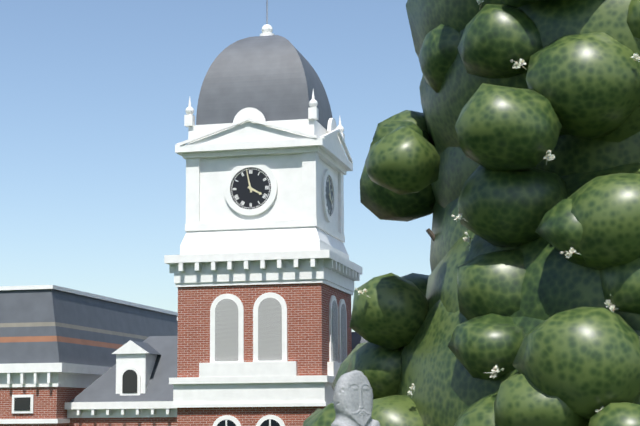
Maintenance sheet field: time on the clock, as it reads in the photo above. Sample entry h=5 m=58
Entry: h=3 m=58
